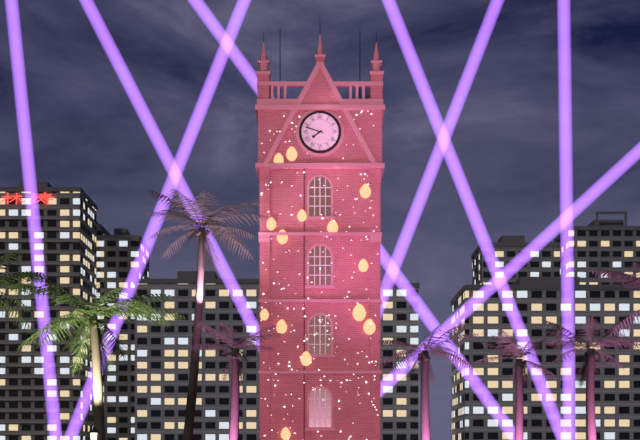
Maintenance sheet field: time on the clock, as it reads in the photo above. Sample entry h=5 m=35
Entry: h=7 m=48
